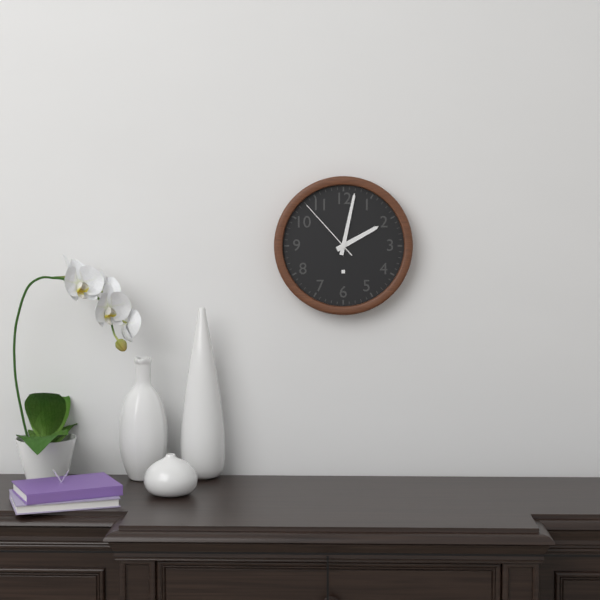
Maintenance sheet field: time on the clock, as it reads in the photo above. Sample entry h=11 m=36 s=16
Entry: h=2 m=2 s=53
